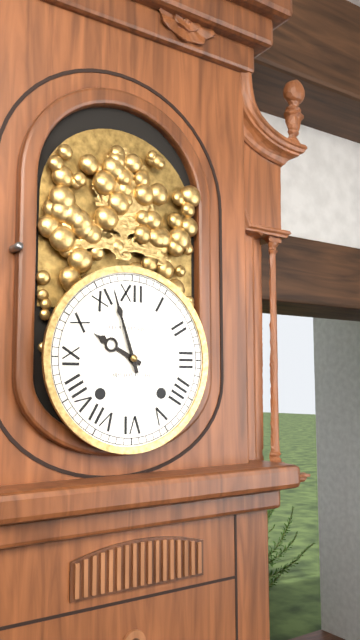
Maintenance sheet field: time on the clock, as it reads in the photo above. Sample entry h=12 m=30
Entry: h=9 m=57
